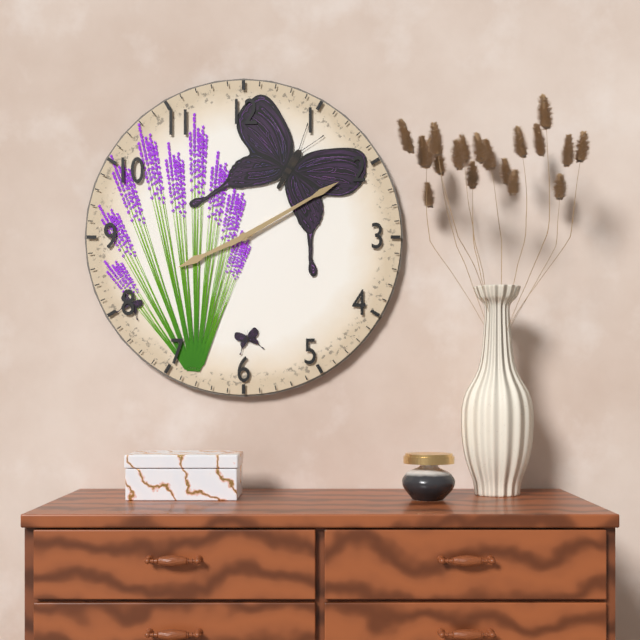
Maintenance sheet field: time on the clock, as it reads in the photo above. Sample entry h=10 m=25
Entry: h=8 m=10
